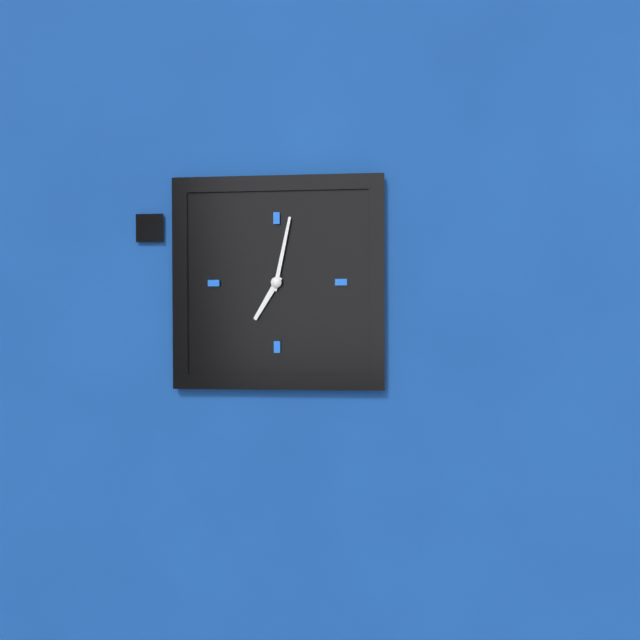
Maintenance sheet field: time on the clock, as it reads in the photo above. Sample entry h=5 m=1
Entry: h=7 m=2
